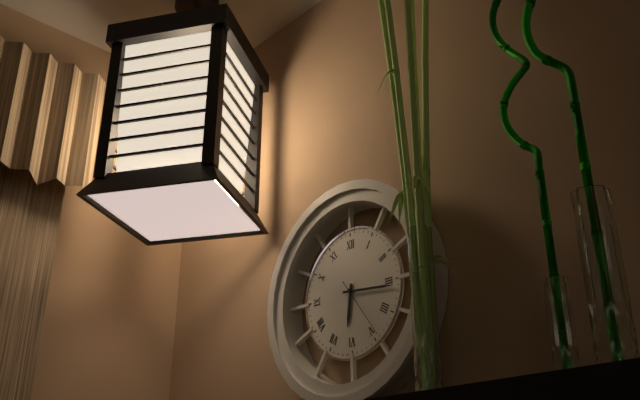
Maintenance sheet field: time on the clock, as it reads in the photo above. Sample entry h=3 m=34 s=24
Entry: h=6 m=16 s=24
